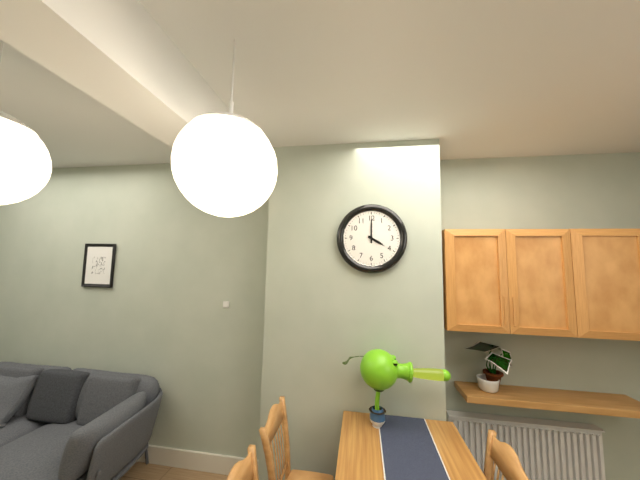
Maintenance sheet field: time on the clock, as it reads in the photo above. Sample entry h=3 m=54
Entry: h=4 m=0
